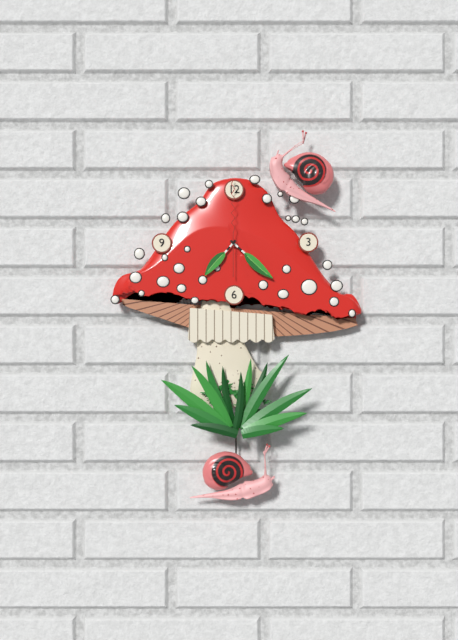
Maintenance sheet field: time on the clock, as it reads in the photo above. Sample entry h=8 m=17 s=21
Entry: h=7 m=22 s=0
